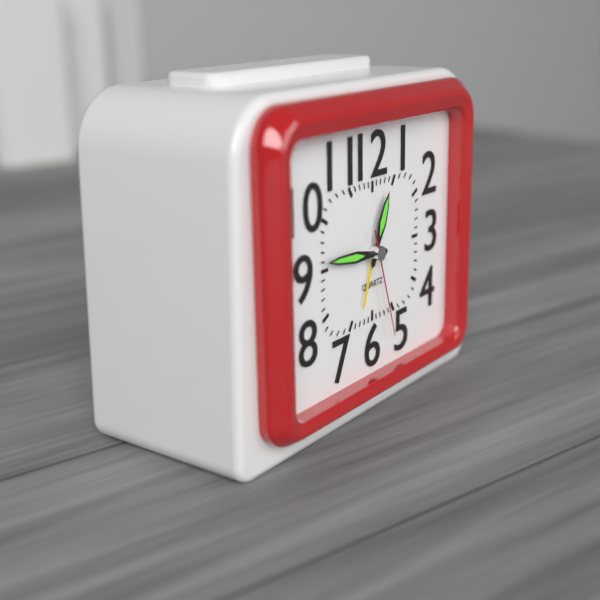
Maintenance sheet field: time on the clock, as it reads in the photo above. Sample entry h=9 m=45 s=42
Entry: h=12 m=46 s=27
